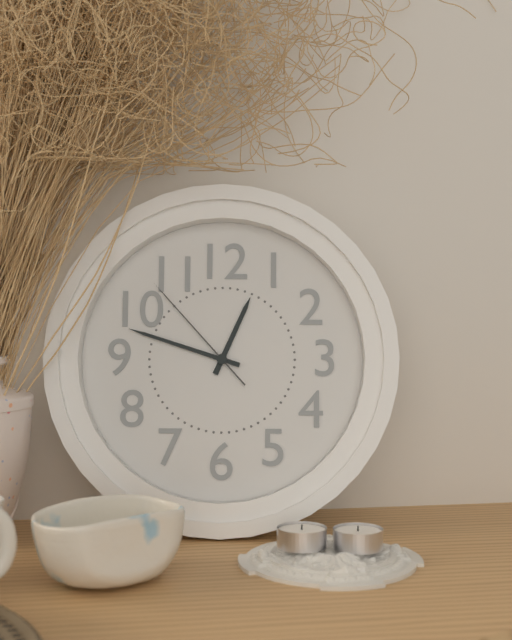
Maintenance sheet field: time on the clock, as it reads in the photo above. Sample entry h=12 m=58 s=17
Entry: h=12 m=48 s=53
